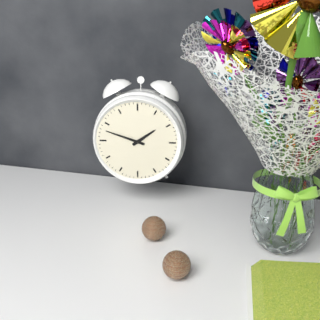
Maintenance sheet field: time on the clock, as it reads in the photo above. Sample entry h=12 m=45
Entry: h=1 m=48
